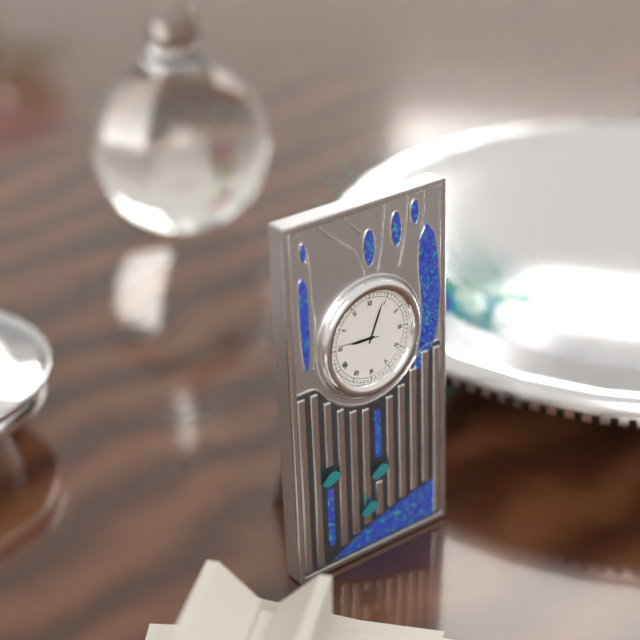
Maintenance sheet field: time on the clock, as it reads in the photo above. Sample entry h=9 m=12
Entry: h=9 m=4
